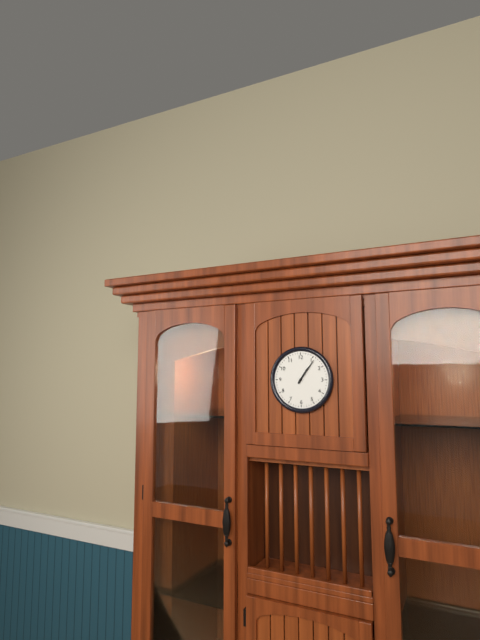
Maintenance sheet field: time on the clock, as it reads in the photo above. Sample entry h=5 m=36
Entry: h=1 m=6
